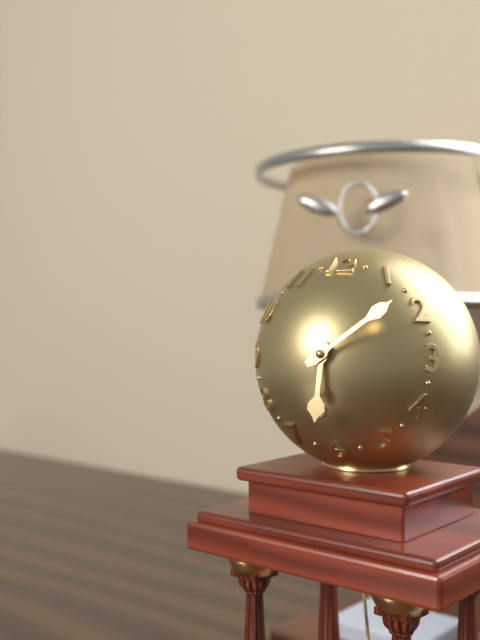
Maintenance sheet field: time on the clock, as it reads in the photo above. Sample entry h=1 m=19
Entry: h=6 m=9
